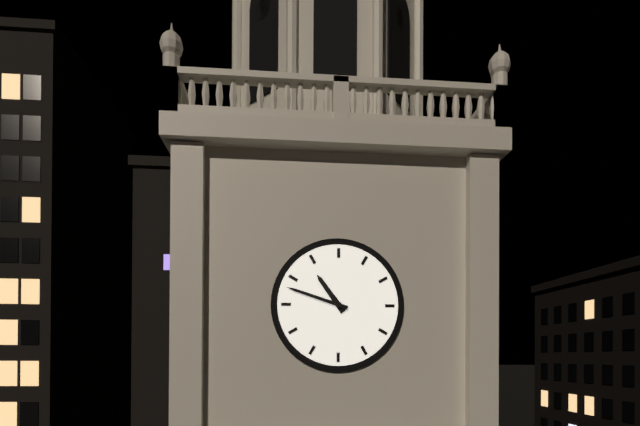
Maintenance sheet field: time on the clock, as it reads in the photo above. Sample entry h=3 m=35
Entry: h=10 m=48
